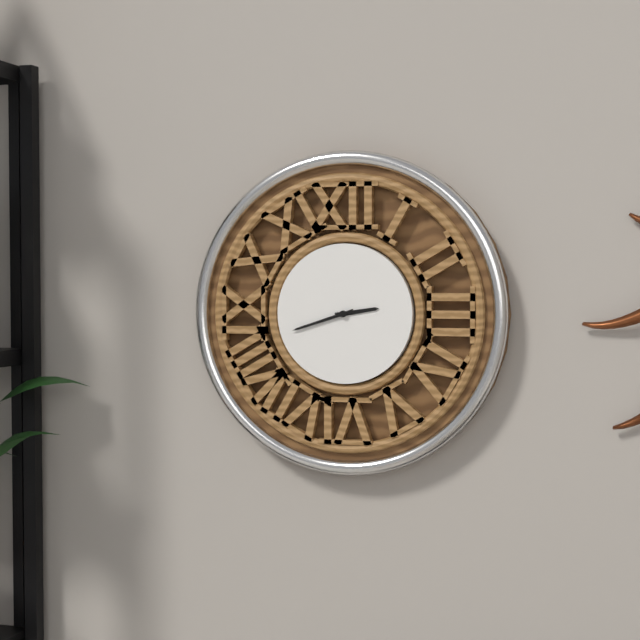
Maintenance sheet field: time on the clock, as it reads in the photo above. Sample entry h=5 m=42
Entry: h=2 m=42
